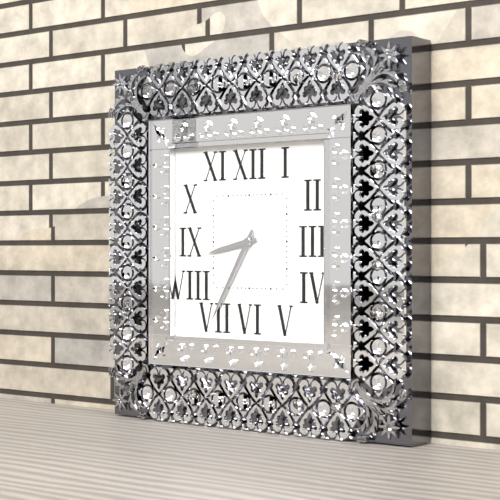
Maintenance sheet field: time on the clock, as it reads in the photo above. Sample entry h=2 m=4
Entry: h=8 m=35
